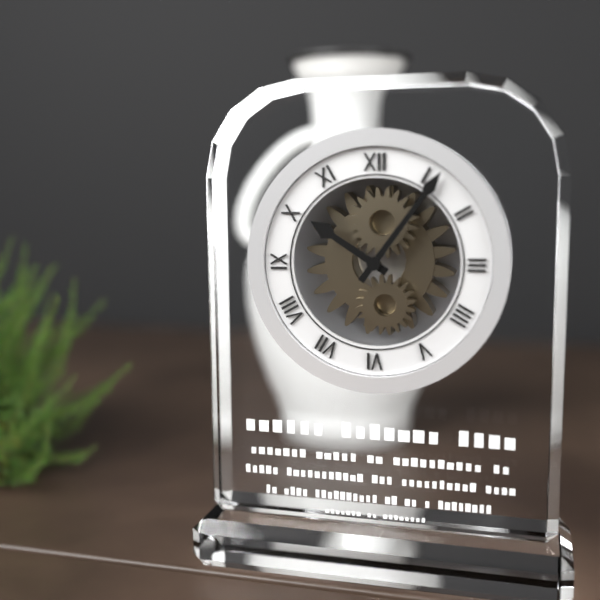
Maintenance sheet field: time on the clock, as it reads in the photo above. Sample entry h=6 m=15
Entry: h=10 m=6
